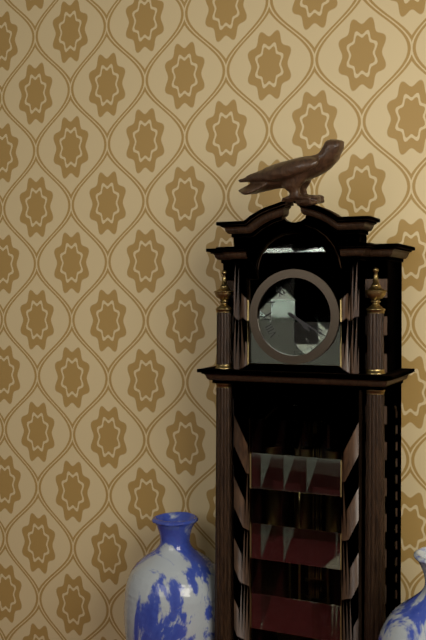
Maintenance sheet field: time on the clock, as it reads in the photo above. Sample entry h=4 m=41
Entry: h=4 m=20
